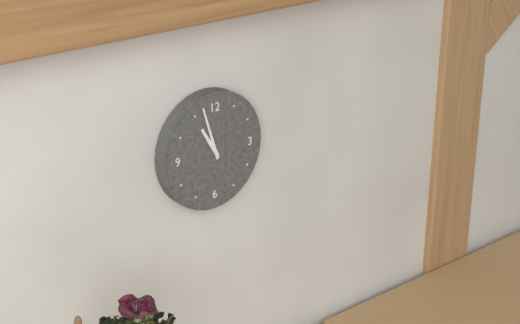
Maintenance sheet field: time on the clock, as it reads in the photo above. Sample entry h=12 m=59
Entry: h=10 m=57
